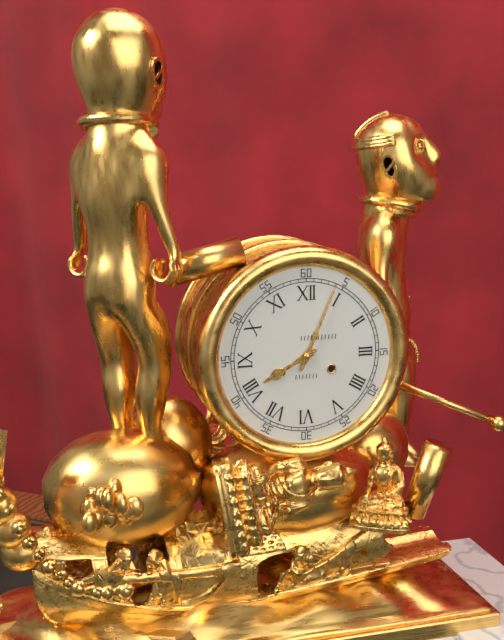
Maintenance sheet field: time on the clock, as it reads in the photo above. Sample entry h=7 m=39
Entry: h=8 m=4
